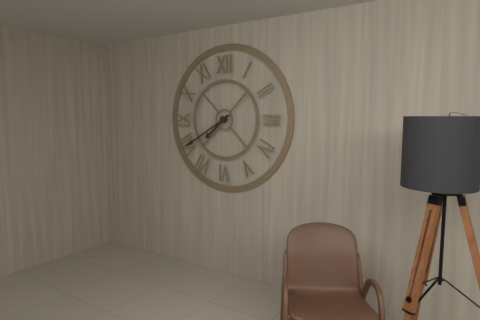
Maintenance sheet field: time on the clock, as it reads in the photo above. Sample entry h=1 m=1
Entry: h=7 m=40
